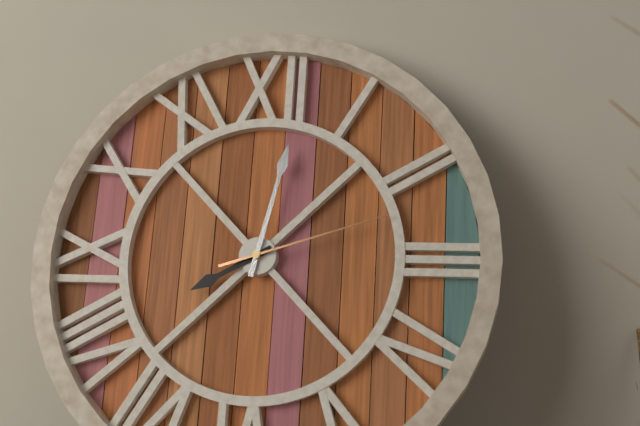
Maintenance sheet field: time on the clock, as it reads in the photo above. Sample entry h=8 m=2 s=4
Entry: h=8 m=2 s=12
